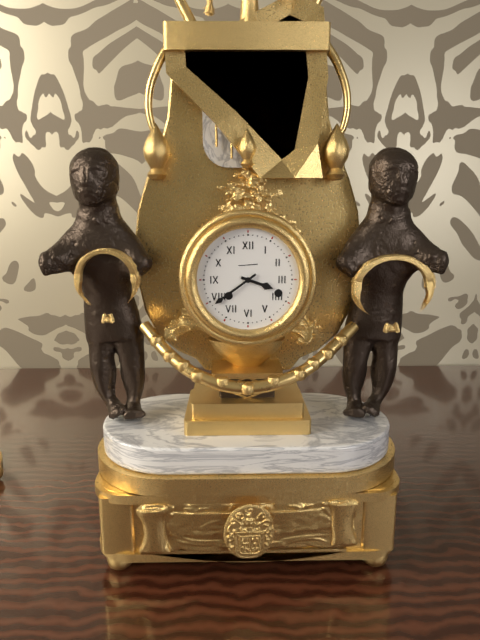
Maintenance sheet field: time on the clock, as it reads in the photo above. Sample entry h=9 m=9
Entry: h=3 m=39
